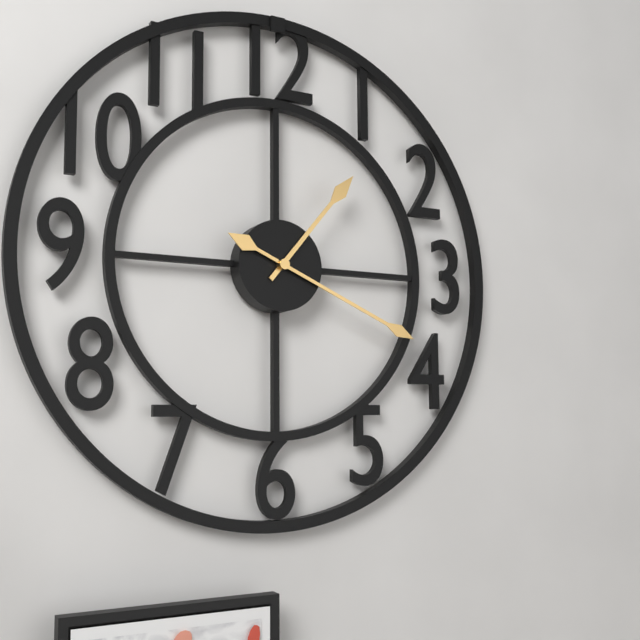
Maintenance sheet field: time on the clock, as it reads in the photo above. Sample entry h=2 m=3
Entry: h=1 m=19
